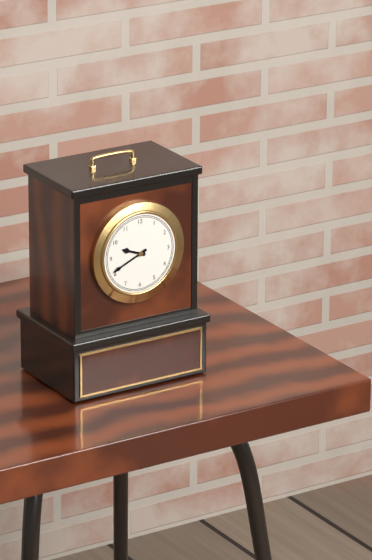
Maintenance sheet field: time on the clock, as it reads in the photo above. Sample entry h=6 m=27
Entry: h=9 m=41
